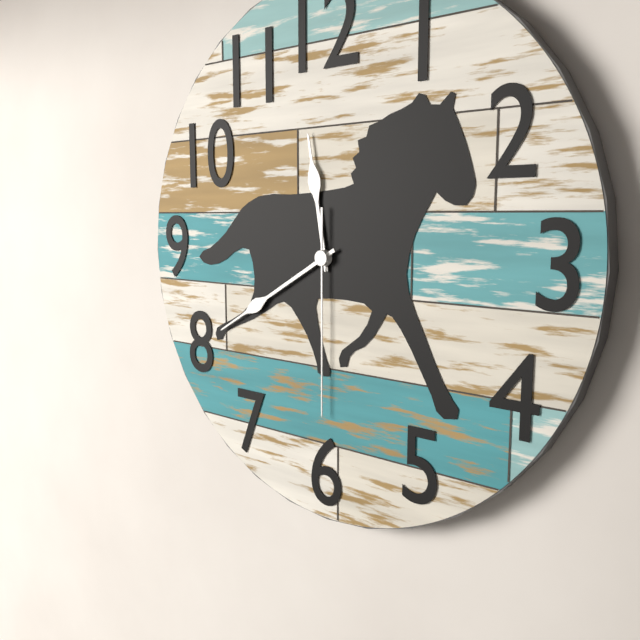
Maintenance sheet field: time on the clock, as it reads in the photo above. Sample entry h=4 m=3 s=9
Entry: h=11 m=40 s=30
